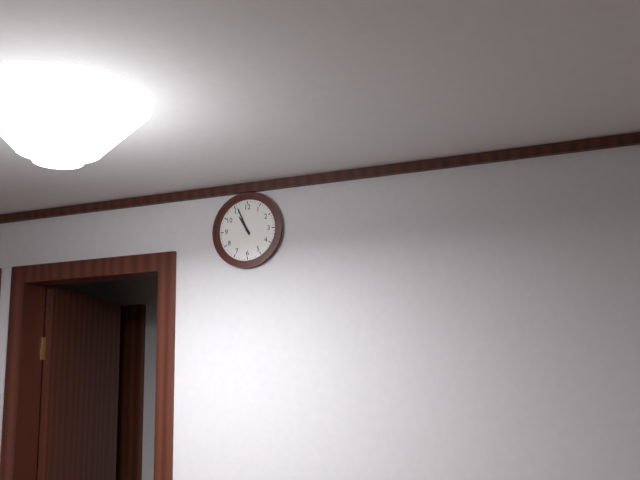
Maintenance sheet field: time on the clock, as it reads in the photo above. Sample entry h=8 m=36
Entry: h=10 m=56
